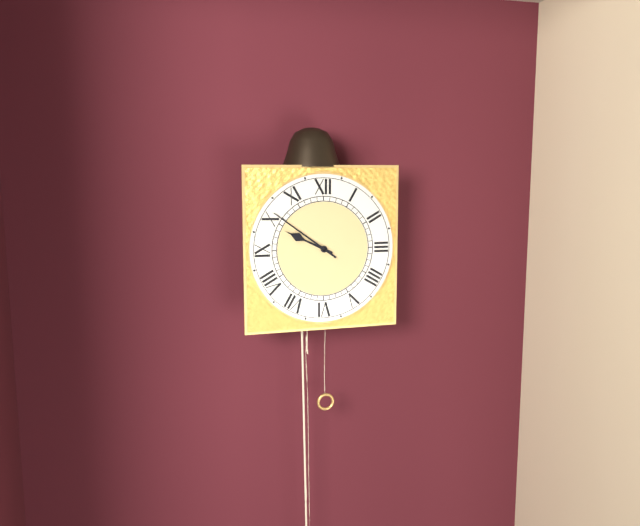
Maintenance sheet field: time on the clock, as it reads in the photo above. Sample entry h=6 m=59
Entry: h=9 m=51
